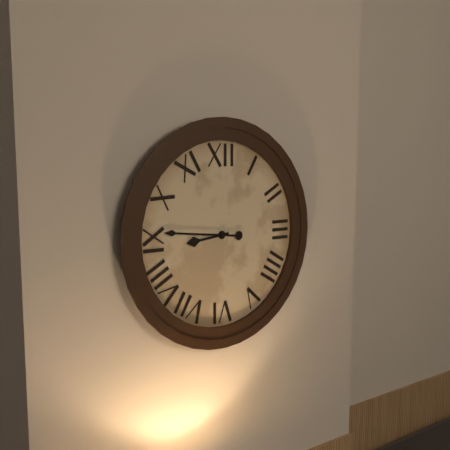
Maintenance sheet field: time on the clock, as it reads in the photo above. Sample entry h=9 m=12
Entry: h=8 m=46
